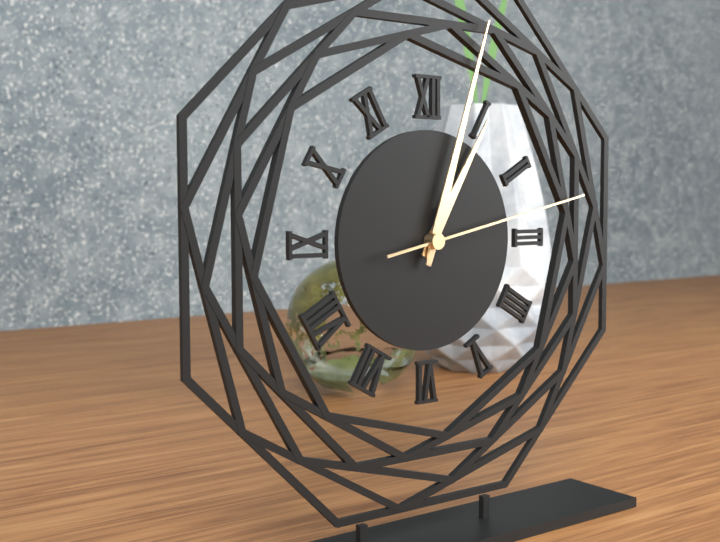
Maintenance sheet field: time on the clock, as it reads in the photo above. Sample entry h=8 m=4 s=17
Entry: h=1 m=3 s=13
